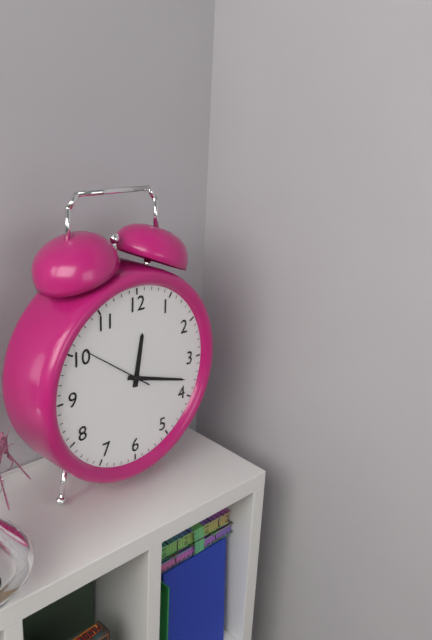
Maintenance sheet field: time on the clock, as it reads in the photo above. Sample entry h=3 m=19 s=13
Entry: h=12 m=18 s=51
